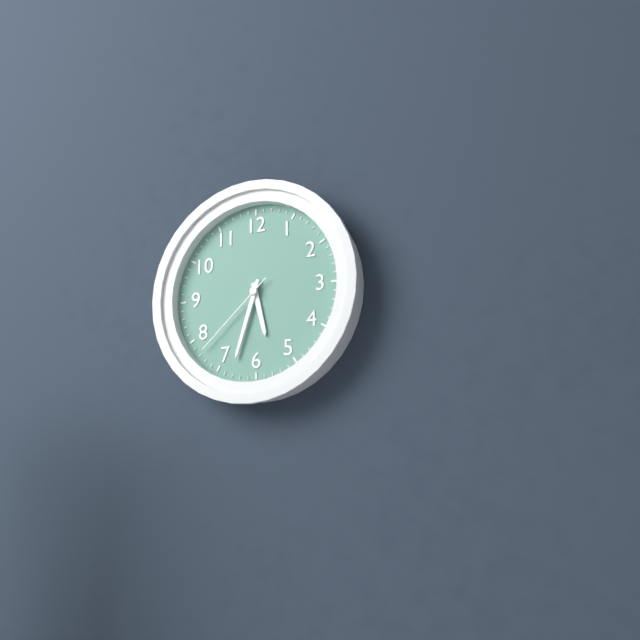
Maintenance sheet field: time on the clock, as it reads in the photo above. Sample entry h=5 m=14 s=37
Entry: h=5 m=33 s=38
